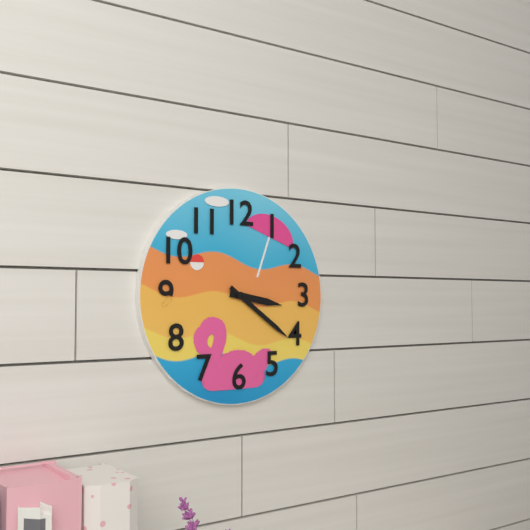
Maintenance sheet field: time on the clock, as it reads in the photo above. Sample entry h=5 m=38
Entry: h=3 m=21
